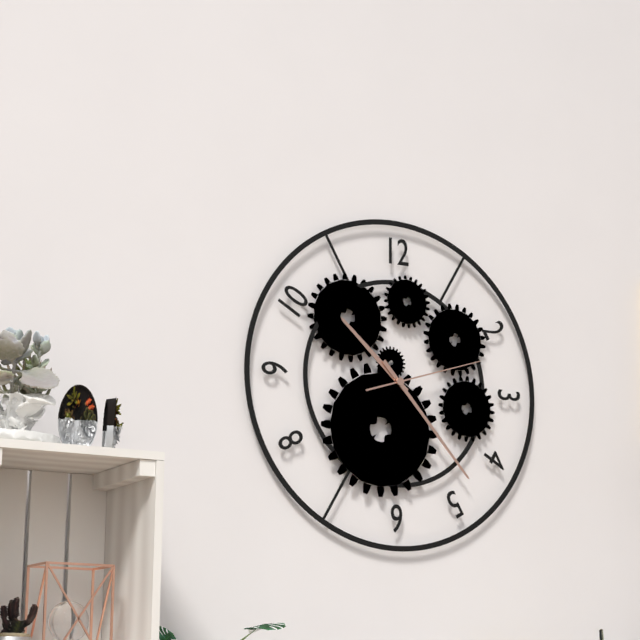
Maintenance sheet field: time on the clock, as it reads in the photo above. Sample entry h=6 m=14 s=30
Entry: h=10 m=23 s=12
